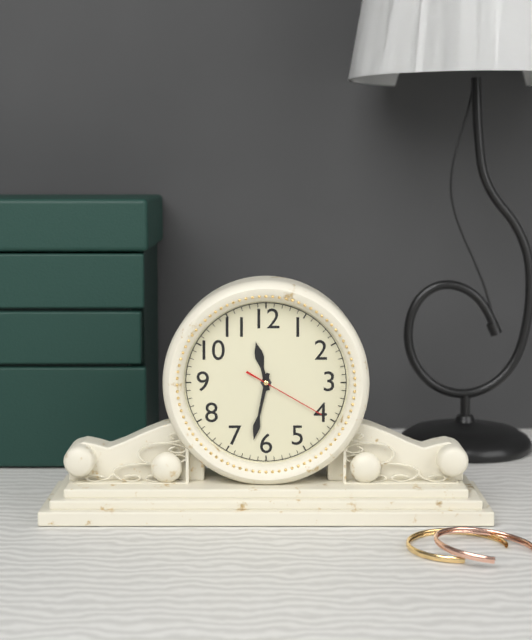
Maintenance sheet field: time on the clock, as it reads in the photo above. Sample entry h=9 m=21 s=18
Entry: h=11 m=32 s=20
